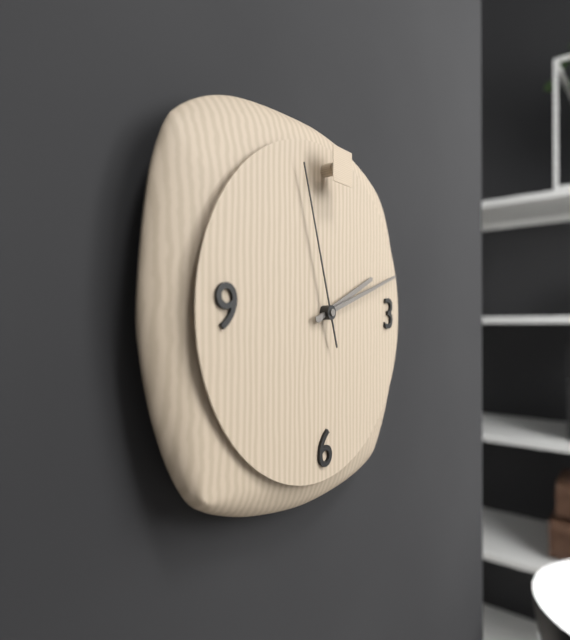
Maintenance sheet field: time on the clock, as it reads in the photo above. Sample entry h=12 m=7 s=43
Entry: h=2 m=12 s=57
